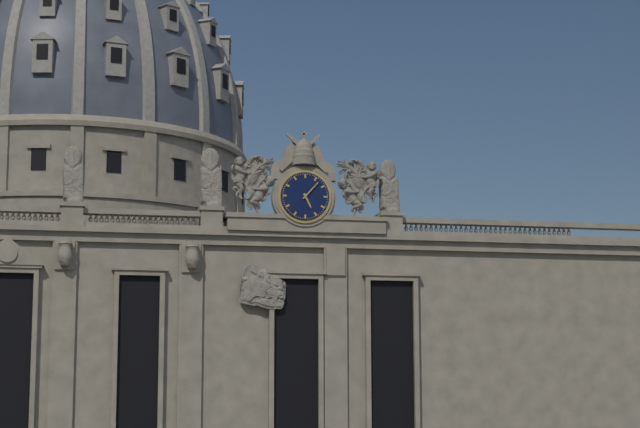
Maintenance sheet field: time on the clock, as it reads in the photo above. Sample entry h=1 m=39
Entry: h=5 m=7
